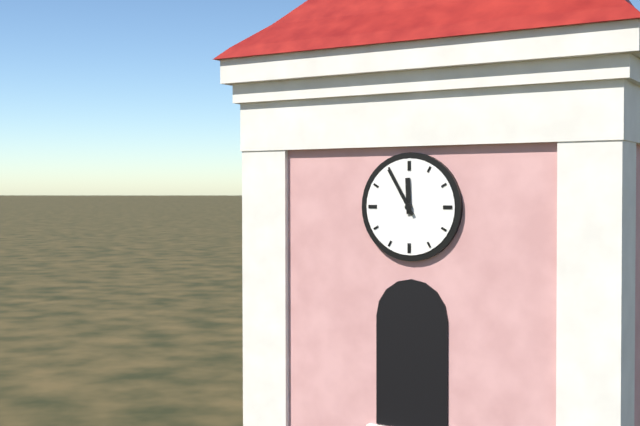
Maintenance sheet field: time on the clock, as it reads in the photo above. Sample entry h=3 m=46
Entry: h=11 m=55
